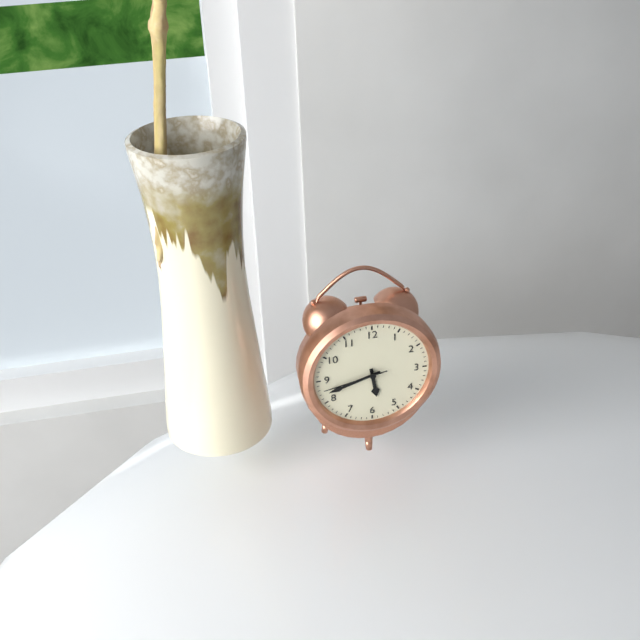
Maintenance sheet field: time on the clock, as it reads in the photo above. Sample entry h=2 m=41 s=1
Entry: h=5 m=42 s=43
